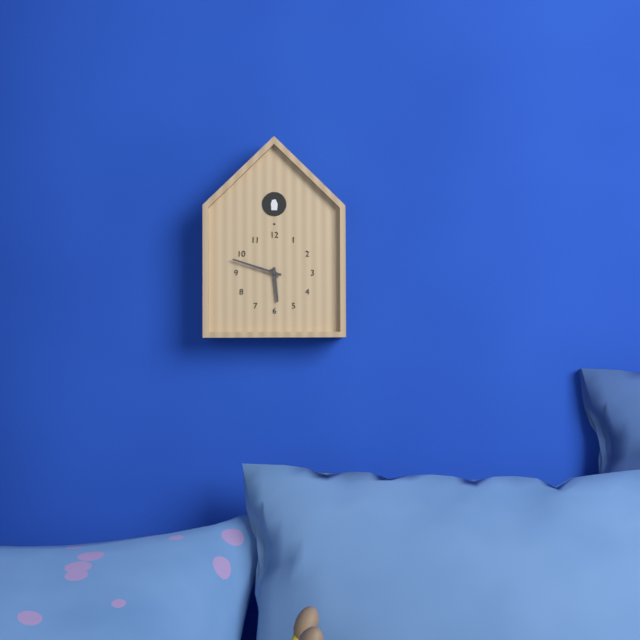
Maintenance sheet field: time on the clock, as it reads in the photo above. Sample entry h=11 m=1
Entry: h=5 m=48
